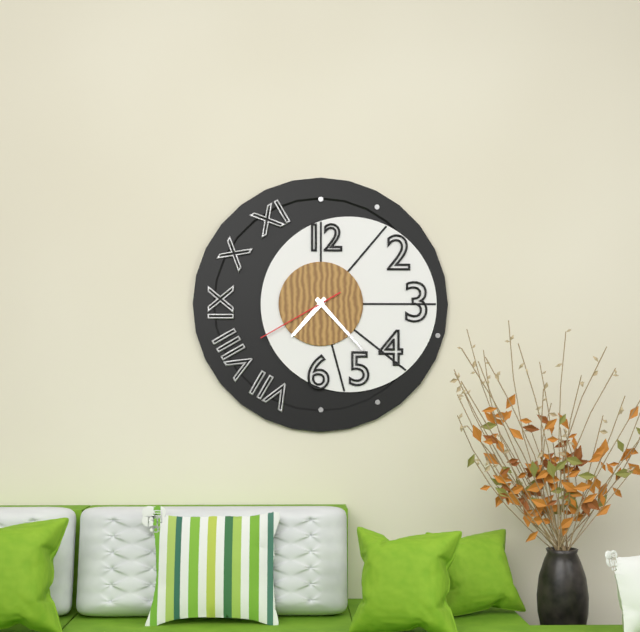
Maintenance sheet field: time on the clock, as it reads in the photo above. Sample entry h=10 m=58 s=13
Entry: h=7 m=23 s=40
